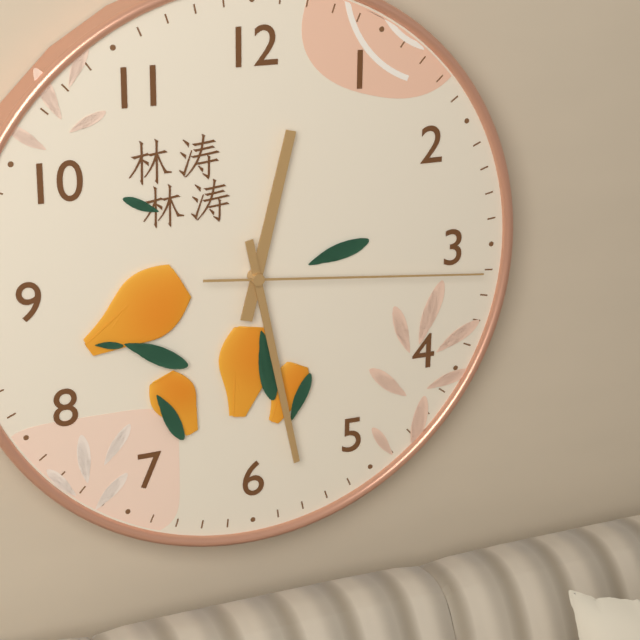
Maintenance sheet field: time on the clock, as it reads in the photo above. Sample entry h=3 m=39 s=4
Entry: h=12 m=28 s=16
